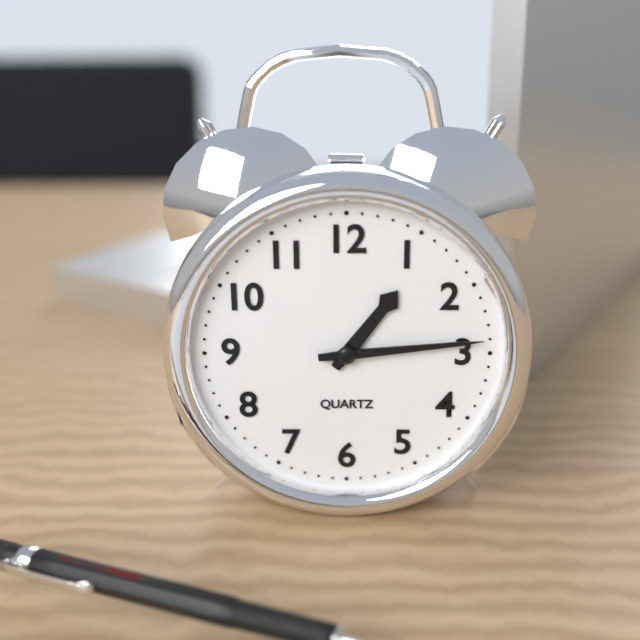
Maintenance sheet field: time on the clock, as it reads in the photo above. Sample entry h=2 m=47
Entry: h=1 m=14
